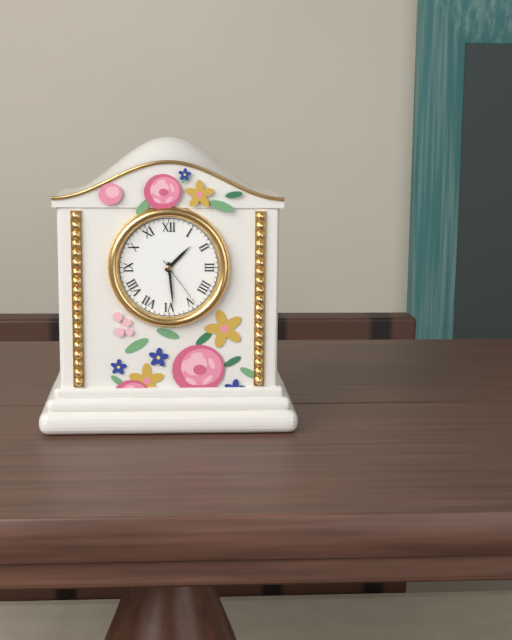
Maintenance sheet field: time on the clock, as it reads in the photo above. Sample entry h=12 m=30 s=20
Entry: h=1 m=29 s=24
